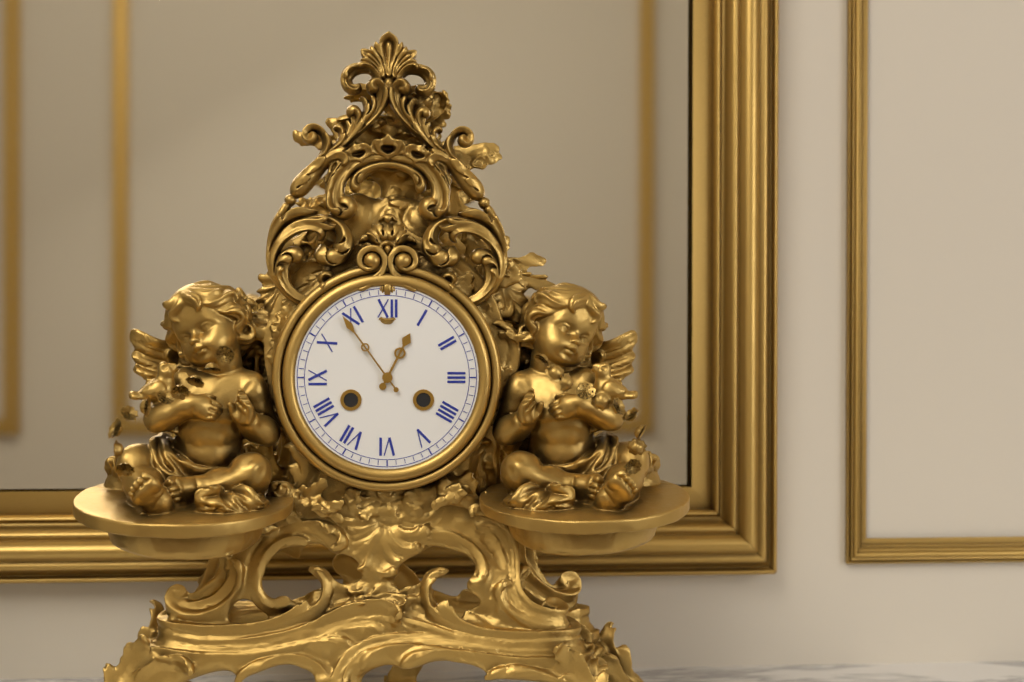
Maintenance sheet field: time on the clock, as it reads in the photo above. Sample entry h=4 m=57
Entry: h=12 m=54
